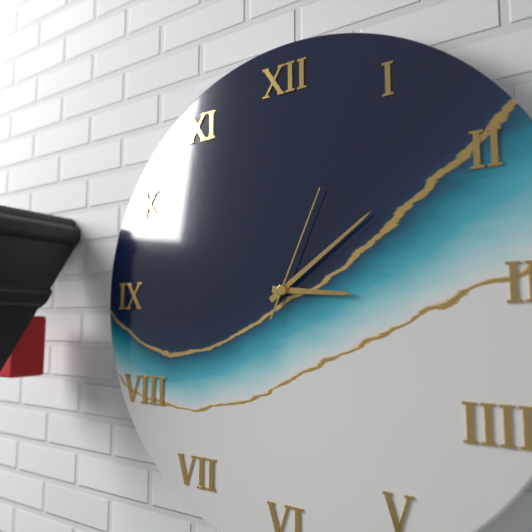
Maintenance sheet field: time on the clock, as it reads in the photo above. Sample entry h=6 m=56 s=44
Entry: h=3 m=9 s=4
